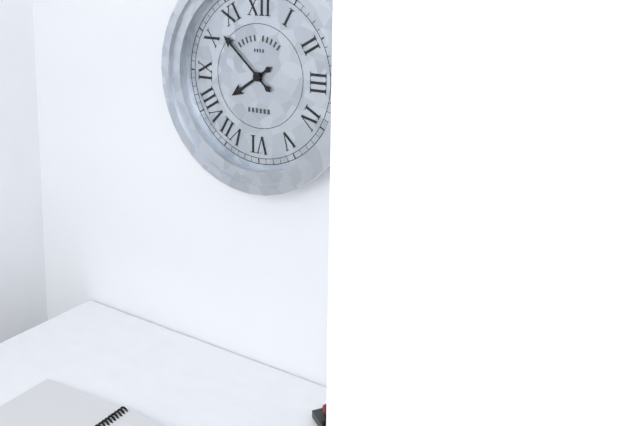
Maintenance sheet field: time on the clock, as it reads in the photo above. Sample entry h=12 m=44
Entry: h=7 m=52
